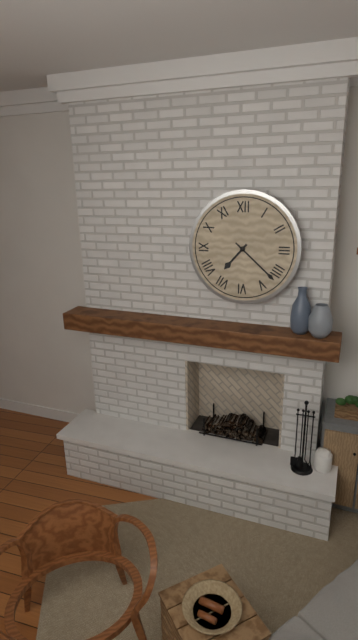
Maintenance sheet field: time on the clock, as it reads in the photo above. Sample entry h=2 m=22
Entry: h=7 m=22
